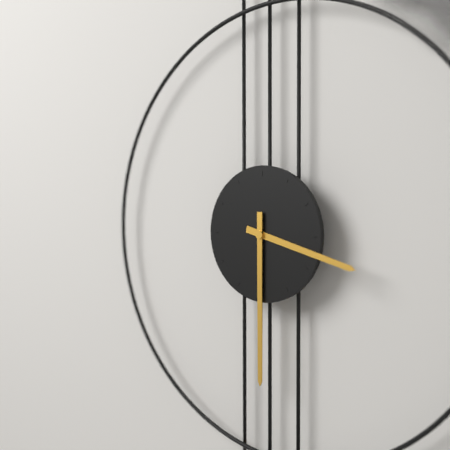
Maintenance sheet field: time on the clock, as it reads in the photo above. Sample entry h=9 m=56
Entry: h=3 m=30
